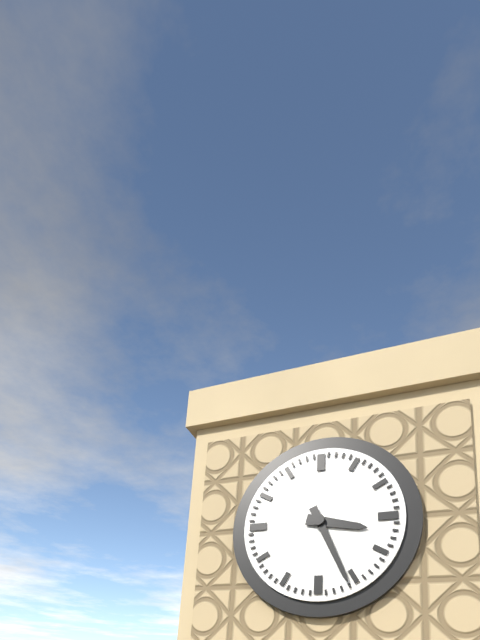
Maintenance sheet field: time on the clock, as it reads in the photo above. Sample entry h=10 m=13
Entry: h=3 m=26
